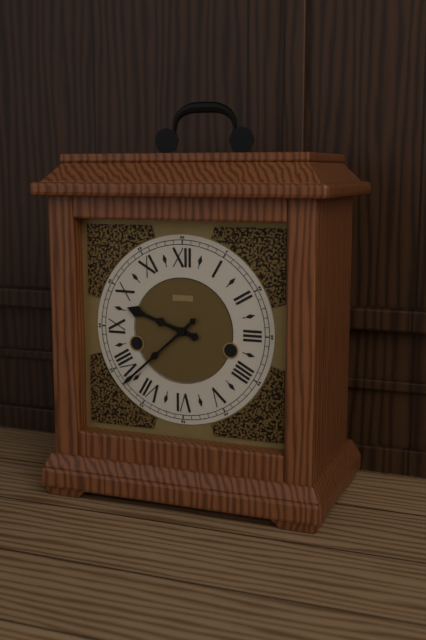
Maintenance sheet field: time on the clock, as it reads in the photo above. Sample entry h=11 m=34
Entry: h=9 m=38
